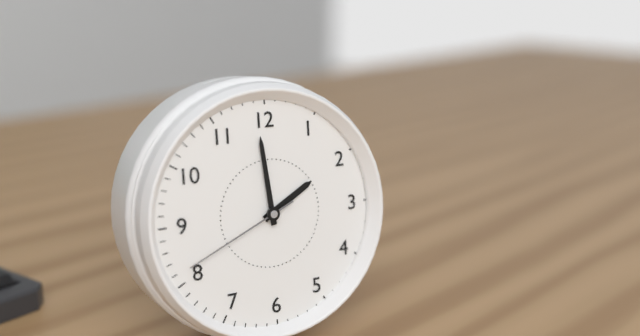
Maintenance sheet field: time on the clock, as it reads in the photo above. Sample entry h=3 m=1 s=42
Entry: h=1 m=59 s=41
